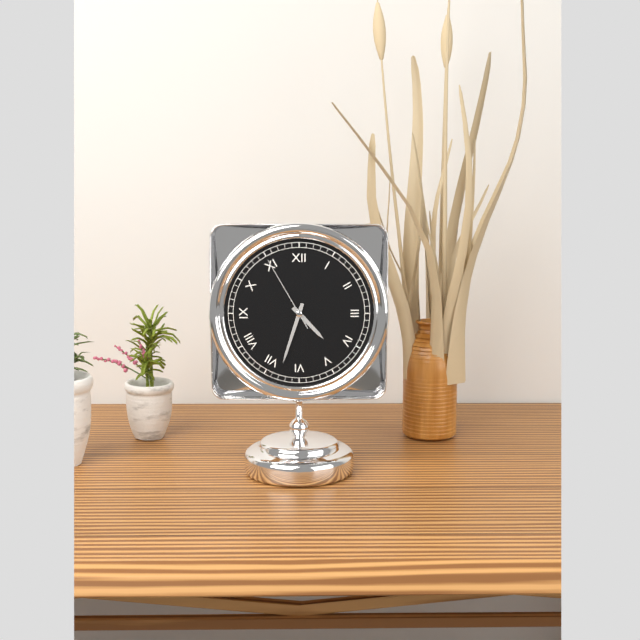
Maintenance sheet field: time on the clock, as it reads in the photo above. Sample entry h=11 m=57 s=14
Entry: h=4 m=33 s=55
